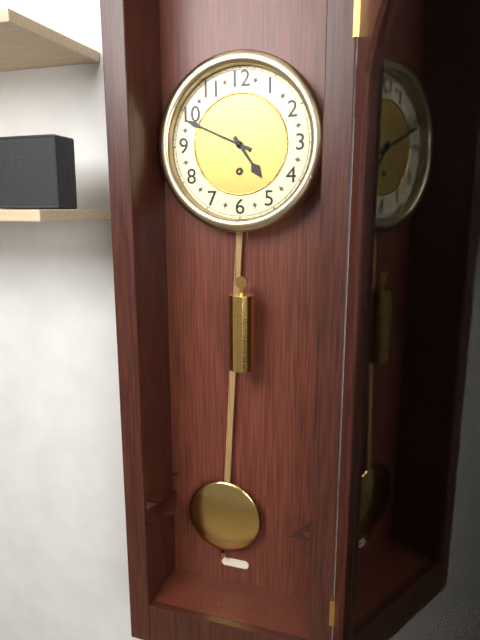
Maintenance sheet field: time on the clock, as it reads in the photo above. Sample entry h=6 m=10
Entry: h=4 m=49
